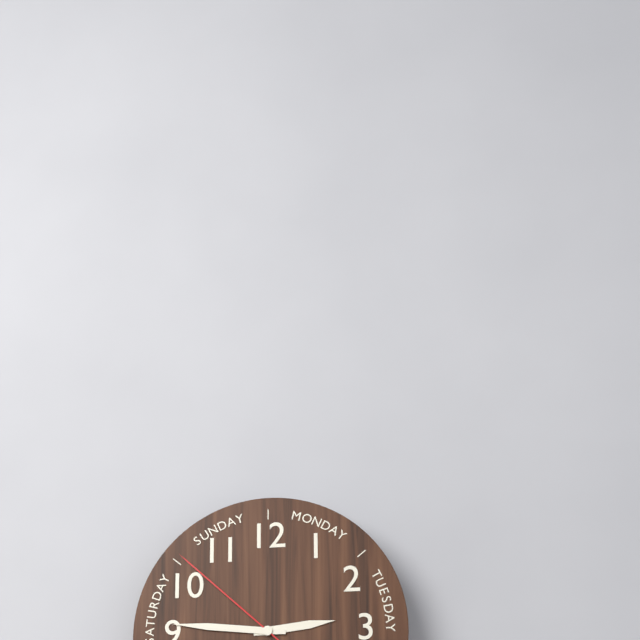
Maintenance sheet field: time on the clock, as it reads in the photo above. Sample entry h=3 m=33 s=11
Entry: h=2 m=46 s=52
